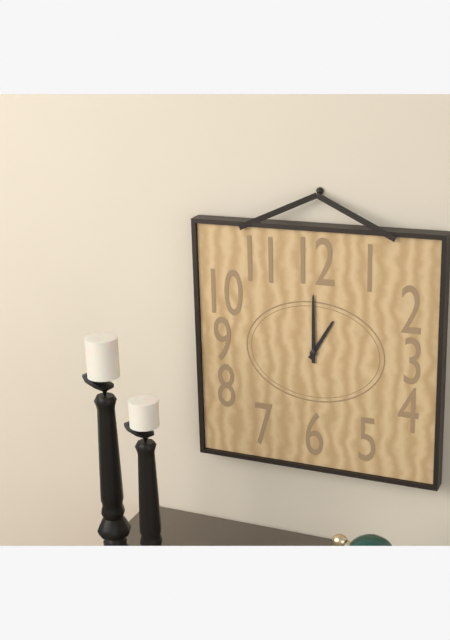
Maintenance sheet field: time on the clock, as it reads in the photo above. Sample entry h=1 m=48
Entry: h=1 m=0
